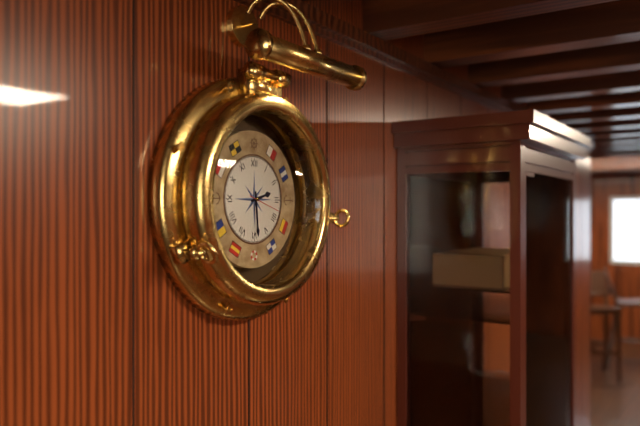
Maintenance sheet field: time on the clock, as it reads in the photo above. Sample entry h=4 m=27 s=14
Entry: h=2 m=29 s=18
